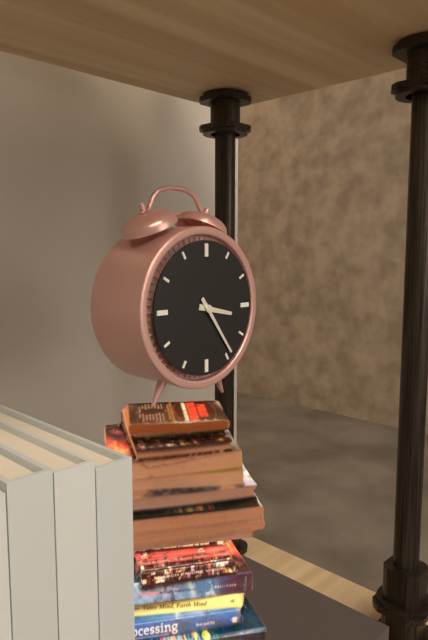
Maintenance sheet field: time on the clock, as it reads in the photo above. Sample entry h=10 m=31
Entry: h=3 m=24
